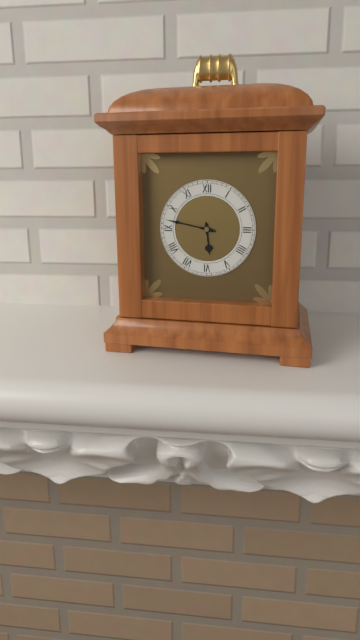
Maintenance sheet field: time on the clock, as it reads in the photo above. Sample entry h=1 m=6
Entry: h=5 m=47
